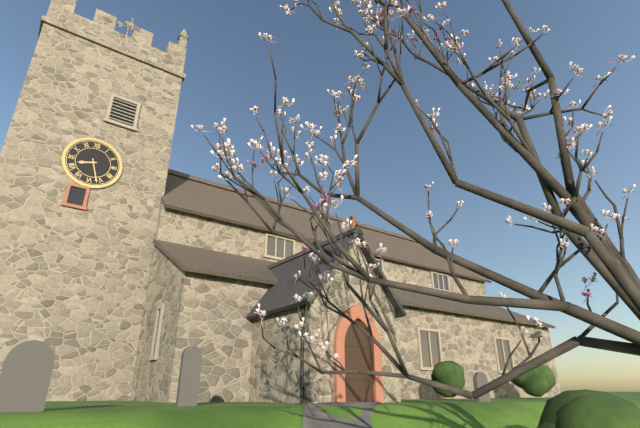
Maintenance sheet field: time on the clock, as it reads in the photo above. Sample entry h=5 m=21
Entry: h=8 m=27
